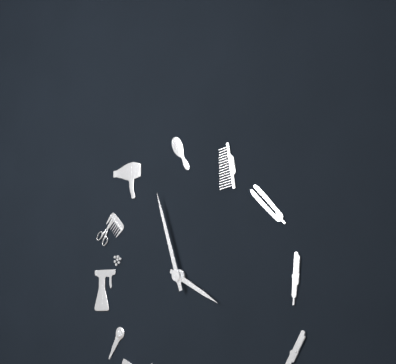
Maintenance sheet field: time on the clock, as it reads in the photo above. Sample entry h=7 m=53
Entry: h=3 m=57
